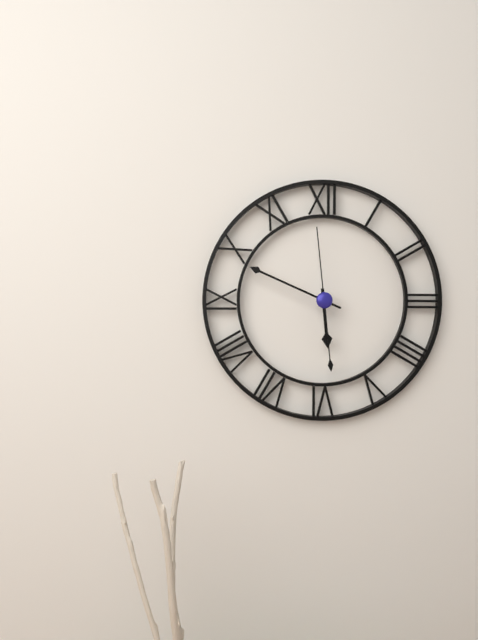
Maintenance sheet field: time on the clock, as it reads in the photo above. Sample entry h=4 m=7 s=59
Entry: h=5 m=49 s=59
